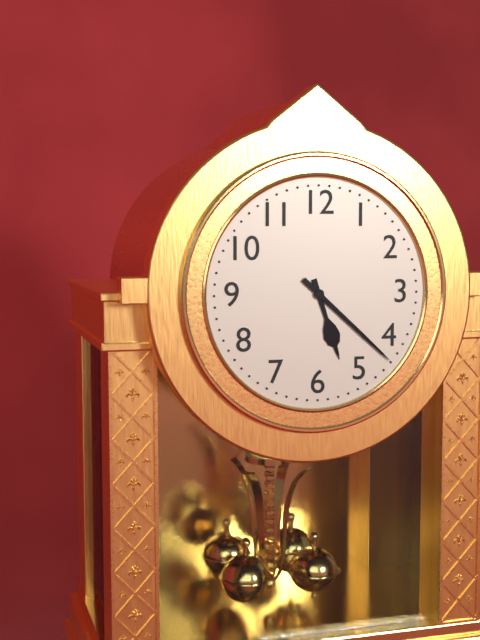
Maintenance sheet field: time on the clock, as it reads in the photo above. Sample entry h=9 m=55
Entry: h=5 m=22
